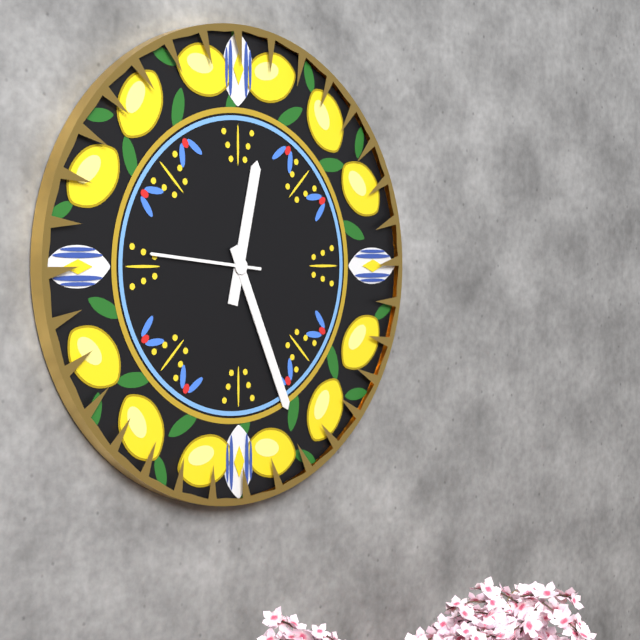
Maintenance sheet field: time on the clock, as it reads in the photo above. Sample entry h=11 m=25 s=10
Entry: h=12 m=26 s=46
